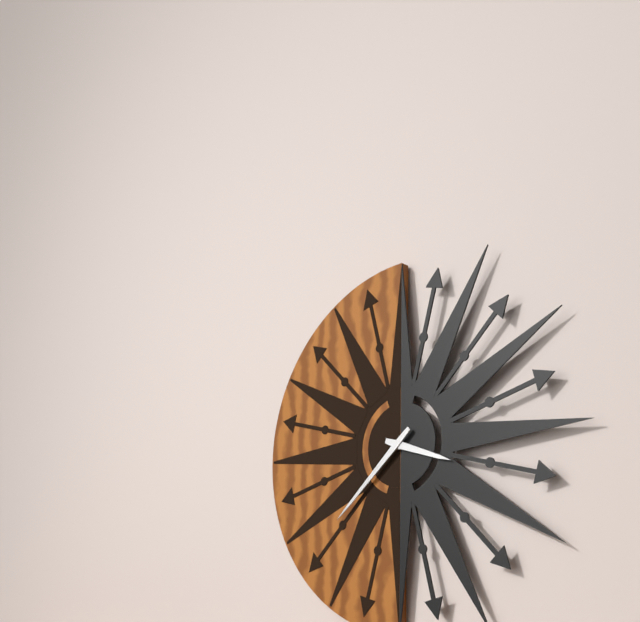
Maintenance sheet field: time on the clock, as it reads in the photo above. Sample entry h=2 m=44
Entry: h=3 m=38
